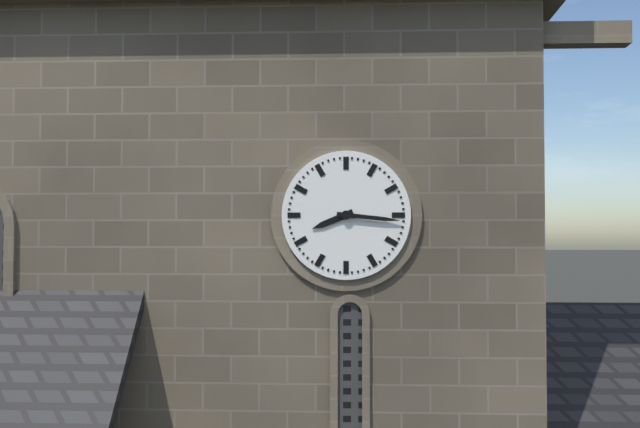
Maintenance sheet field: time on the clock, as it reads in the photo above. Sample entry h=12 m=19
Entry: h=8 m=16
